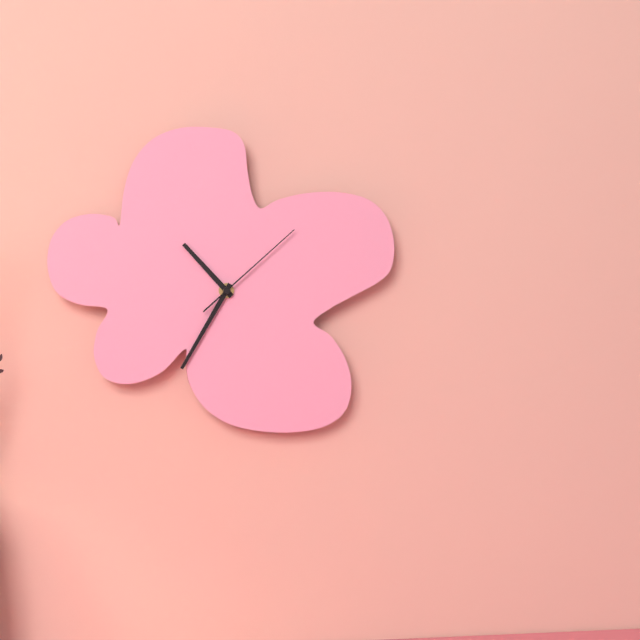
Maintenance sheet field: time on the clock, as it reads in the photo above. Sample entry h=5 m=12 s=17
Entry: h=10 m=35 s=8
